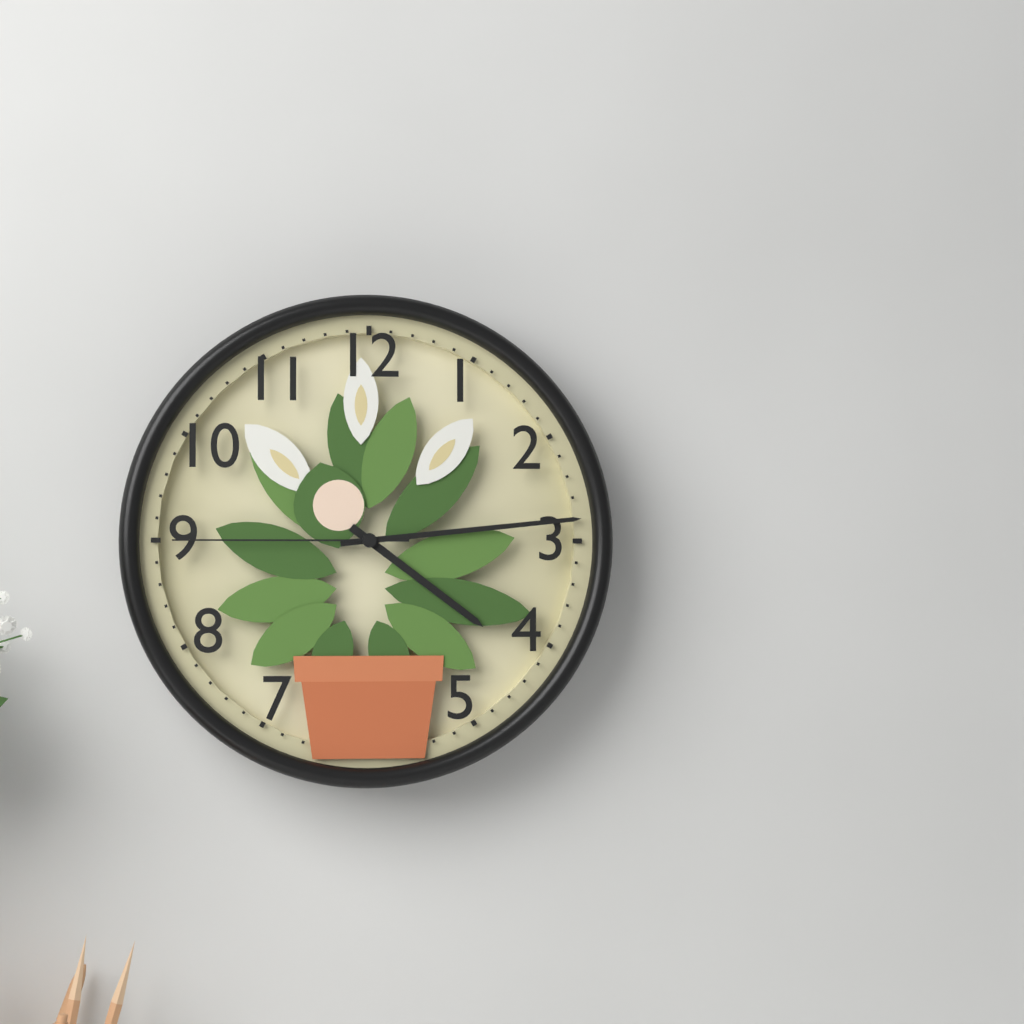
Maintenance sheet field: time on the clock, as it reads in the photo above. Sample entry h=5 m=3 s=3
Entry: h=4 m=14 s=45
